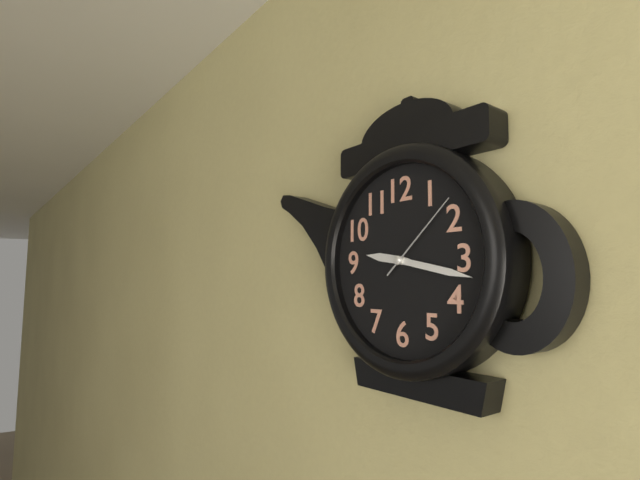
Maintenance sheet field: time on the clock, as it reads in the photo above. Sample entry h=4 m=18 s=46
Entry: h=9 m=17 s=8
